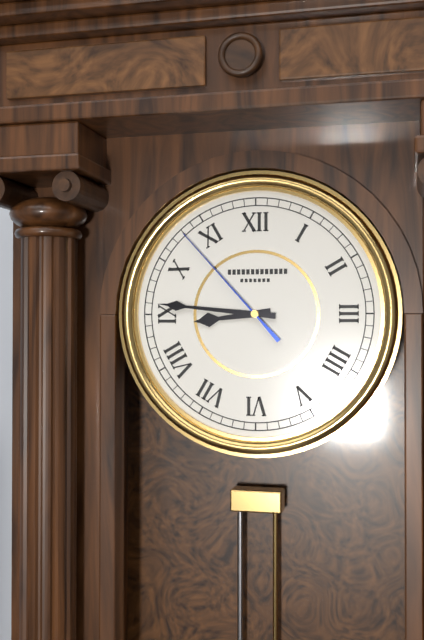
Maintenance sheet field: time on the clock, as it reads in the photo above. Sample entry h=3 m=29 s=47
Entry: h=8 m=46 s=53
